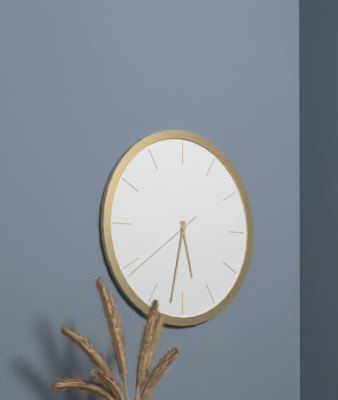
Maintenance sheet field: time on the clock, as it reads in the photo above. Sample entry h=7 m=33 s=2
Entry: h=5 m=32 s=39
